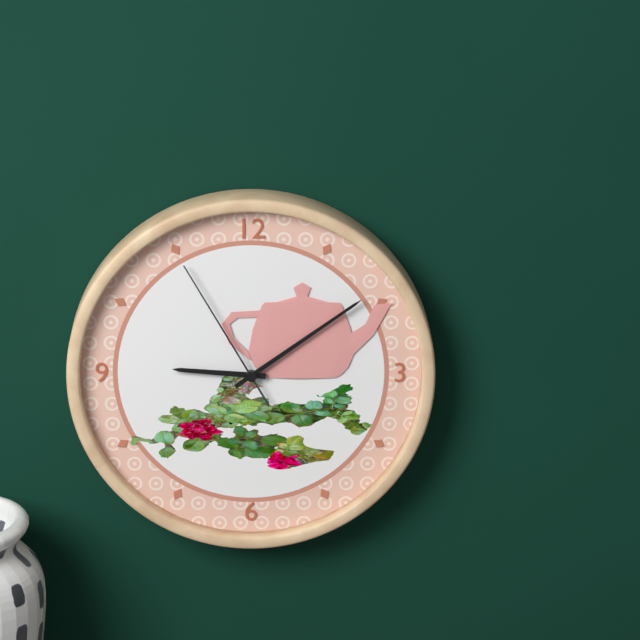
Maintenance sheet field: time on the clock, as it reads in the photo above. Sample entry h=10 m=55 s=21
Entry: h=9 m=9 s=55
